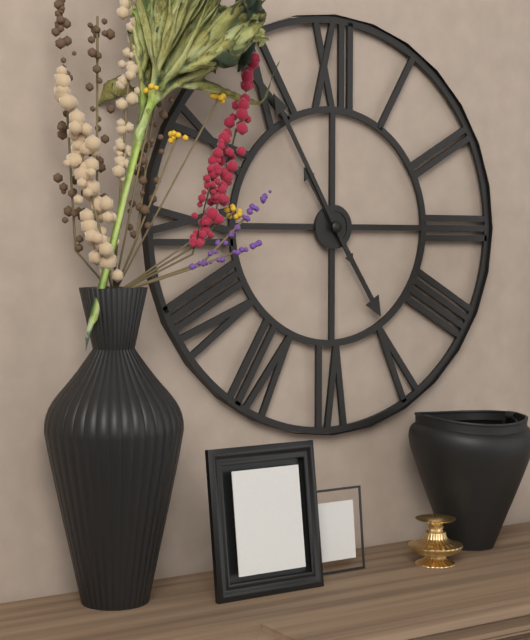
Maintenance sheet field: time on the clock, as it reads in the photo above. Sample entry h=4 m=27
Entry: h=4 m=55
